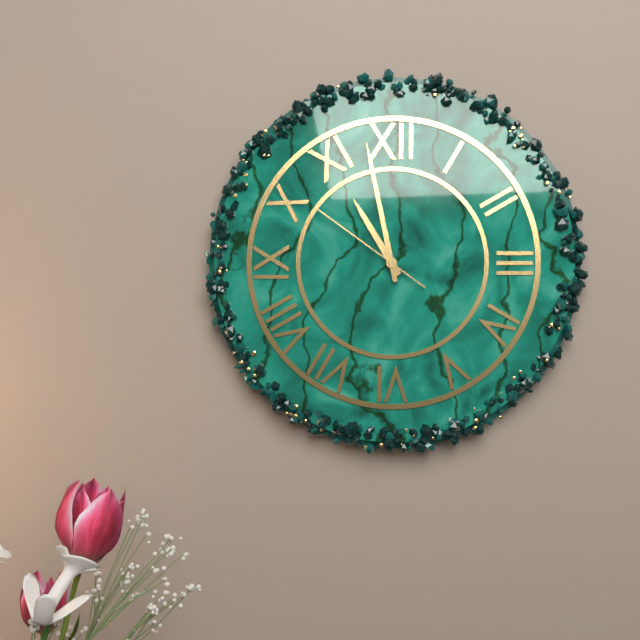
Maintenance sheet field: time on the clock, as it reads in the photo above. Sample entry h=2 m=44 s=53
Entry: h=10 m=58 s=51
